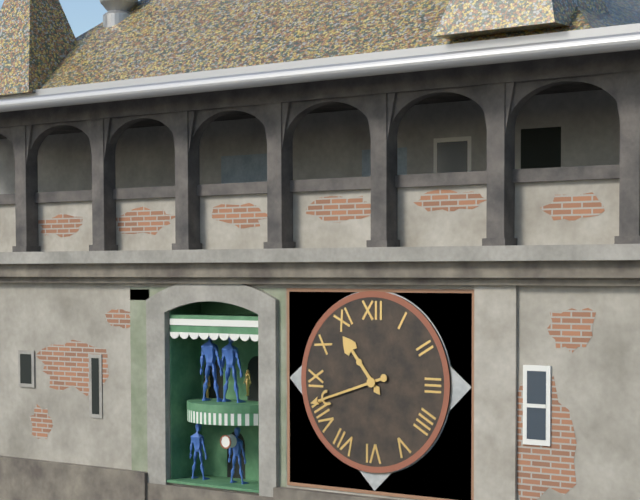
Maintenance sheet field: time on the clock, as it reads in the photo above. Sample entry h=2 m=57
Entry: h=10 m=42
